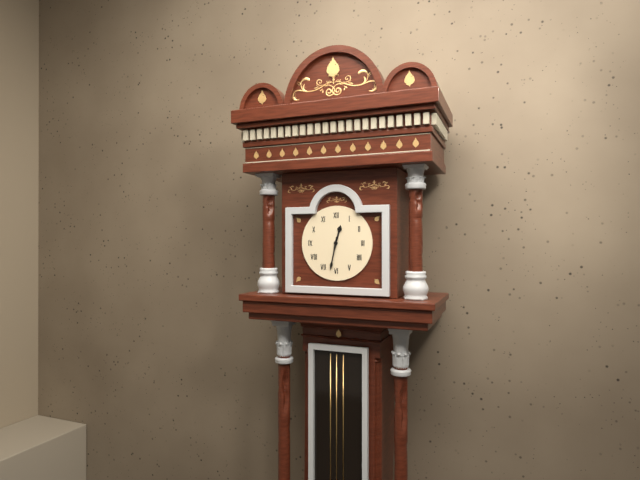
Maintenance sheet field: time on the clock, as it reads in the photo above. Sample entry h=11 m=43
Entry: h=12 m=32
